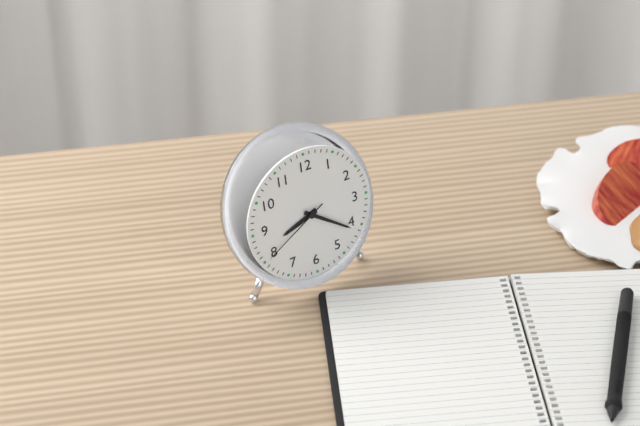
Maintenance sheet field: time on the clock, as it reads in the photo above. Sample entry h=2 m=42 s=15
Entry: h=8 m=21 s=40
